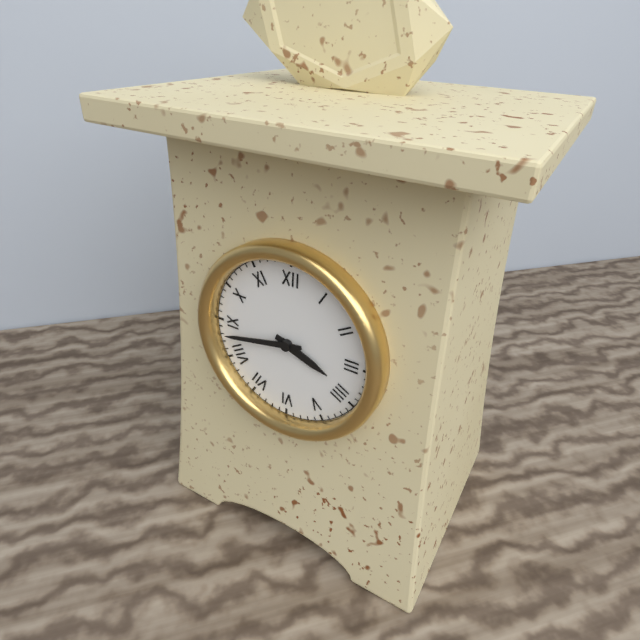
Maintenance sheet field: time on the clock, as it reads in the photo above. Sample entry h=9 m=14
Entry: h=3 m=43
